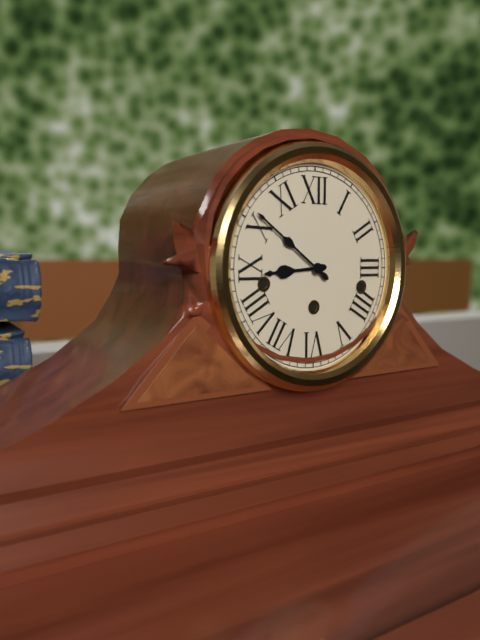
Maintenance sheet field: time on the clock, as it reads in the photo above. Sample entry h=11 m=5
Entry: h=8 m=51
